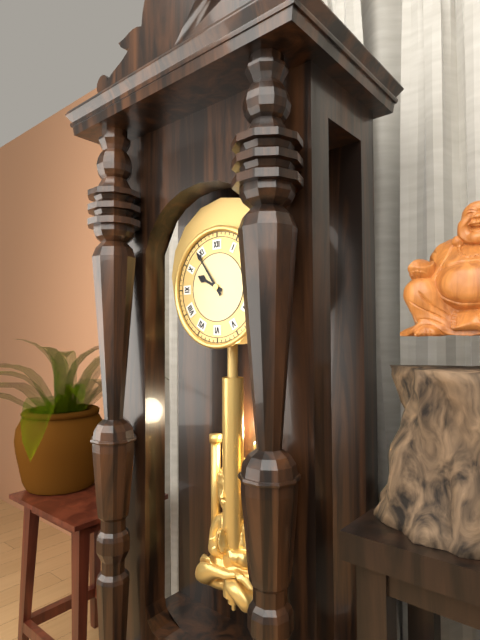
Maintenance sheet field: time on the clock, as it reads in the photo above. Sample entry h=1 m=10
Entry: h=9 m=54
